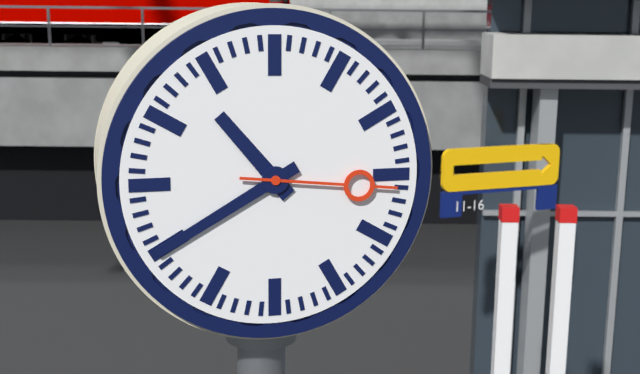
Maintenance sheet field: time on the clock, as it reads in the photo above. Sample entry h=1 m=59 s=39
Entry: h=10 m=40 s=16
